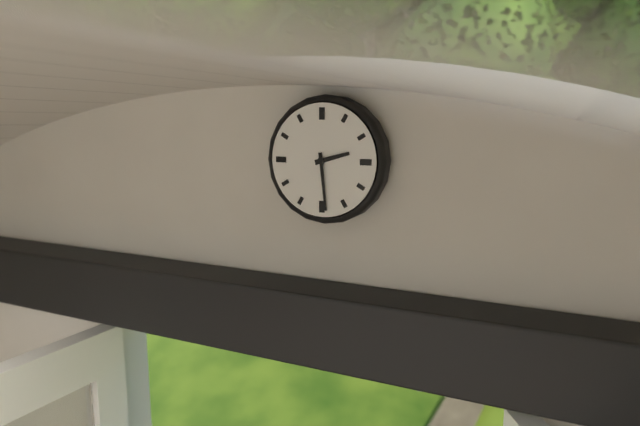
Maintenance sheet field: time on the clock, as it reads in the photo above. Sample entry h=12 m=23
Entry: h=2 m=29
